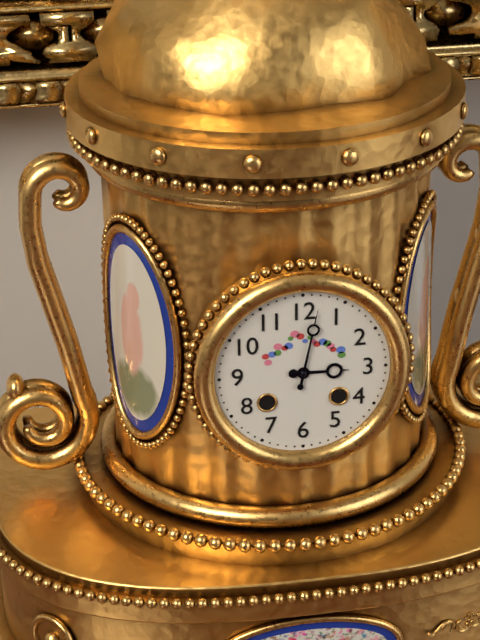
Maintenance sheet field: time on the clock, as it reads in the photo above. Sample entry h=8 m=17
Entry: h=3 m=2
